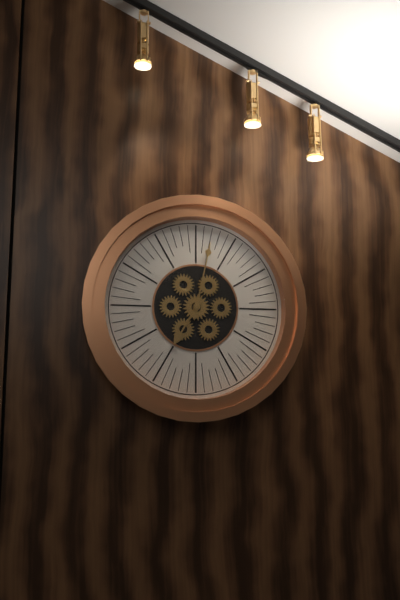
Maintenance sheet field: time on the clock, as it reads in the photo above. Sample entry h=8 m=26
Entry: h=7 m=2
